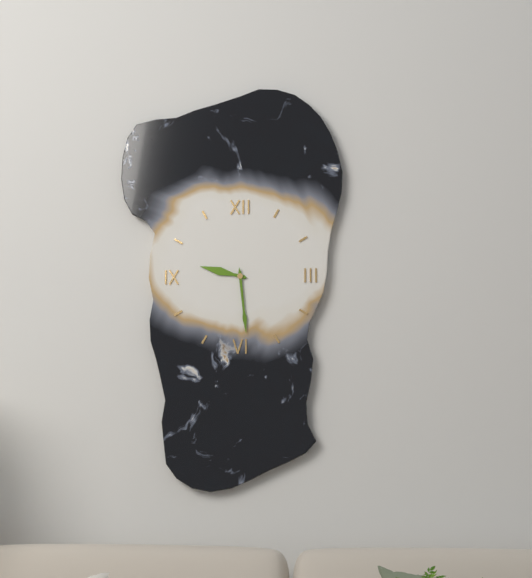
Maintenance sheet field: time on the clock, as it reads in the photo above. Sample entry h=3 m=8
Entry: h=9 m=29
